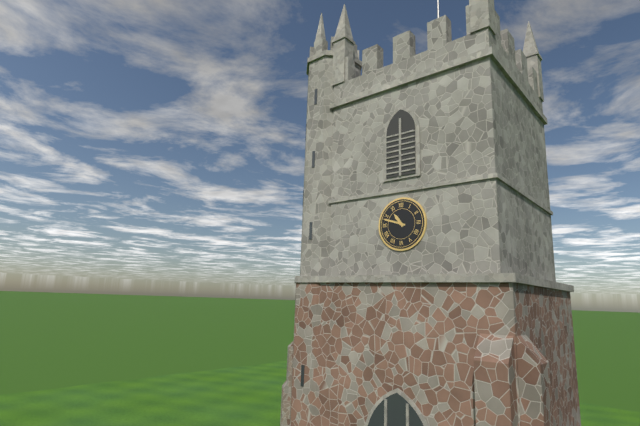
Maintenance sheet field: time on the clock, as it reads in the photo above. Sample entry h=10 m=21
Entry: h=10 m=48
